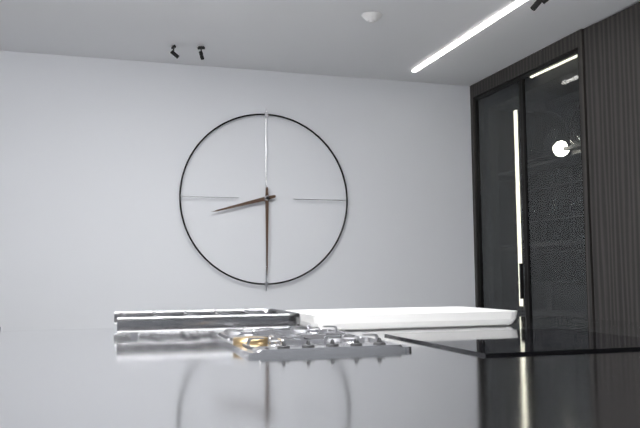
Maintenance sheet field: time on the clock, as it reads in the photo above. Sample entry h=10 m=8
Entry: h=8 m=30
